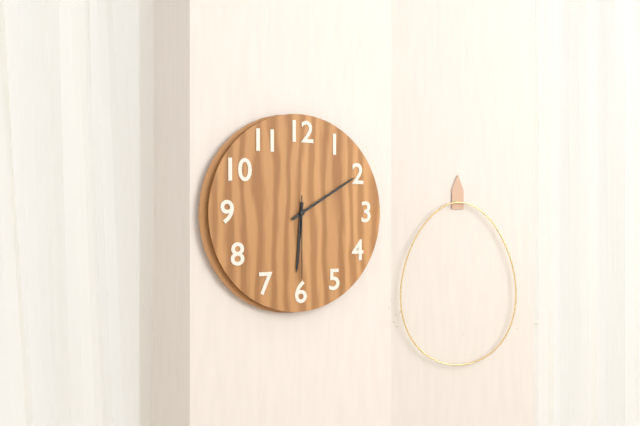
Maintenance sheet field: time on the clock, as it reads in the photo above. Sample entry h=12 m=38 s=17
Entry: h=6 m=10 s=30
